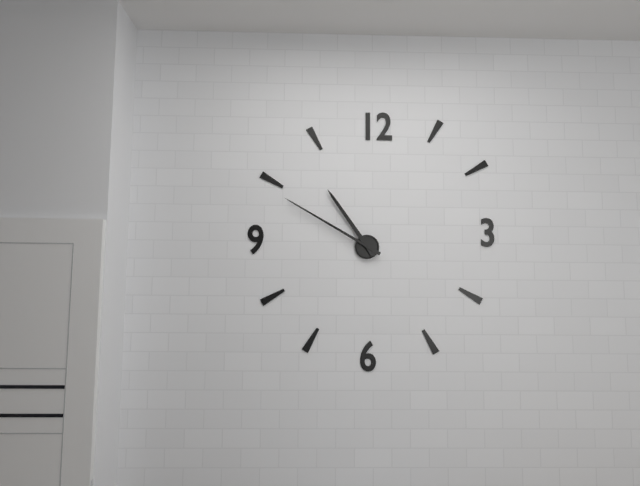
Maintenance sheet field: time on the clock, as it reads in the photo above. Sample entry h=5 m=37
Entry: h=10 m=50
